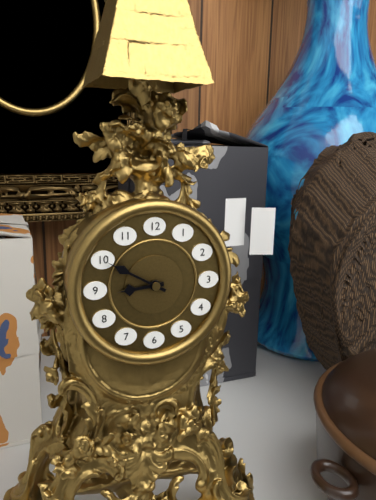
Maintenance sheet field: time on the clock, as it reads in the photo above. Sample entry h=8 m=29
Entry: h=8 m=50
